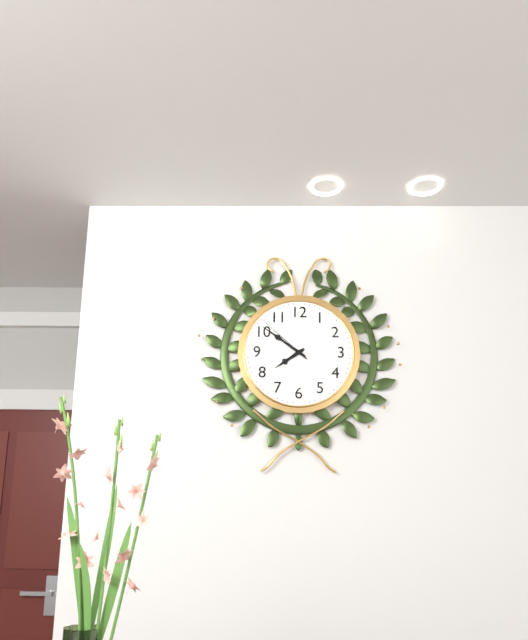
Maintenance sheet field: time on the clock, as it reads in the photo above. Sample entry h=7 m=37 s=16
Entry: h=7 m=51 s=52
